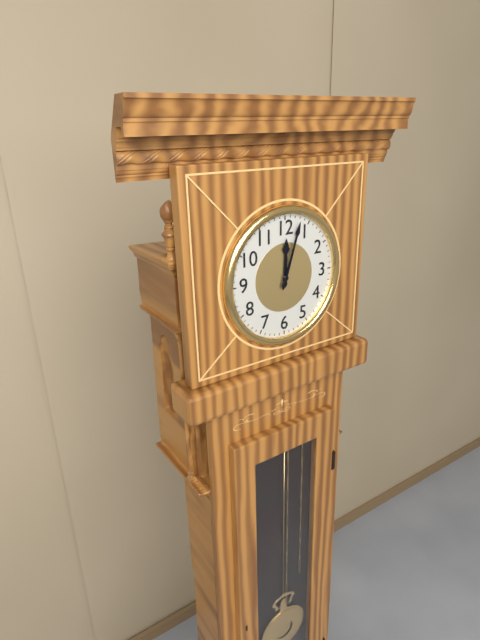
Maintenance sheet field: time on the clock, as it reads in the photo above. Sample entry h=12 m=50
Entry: h=12 m=3
